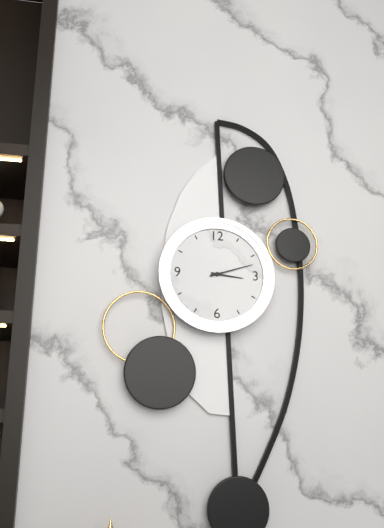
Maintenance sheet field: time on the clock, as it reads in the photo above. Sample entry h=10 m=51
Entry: h=3 m=12
